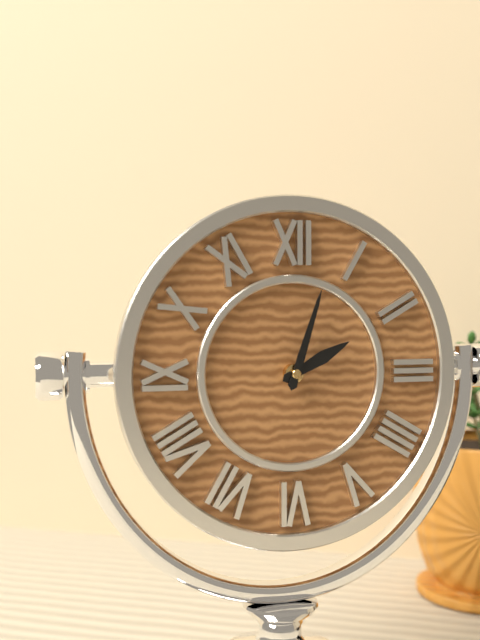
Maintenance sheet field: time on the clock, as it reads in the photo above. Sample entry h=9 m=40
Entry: h=2 m=3
